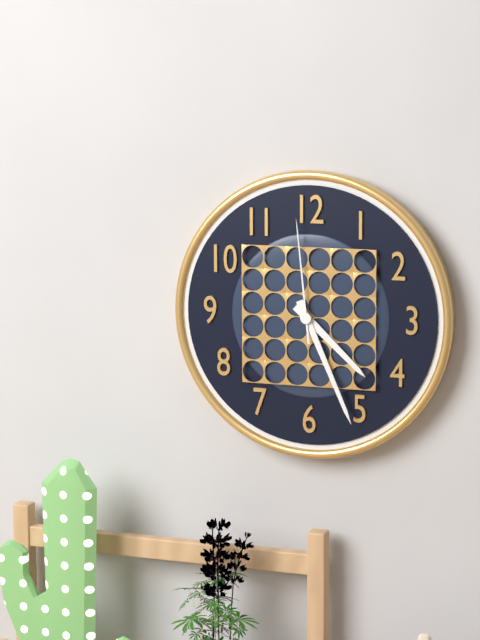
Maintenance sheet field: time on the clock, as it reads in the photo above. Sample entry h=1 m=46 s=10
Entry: h=4 m=26 s=59
